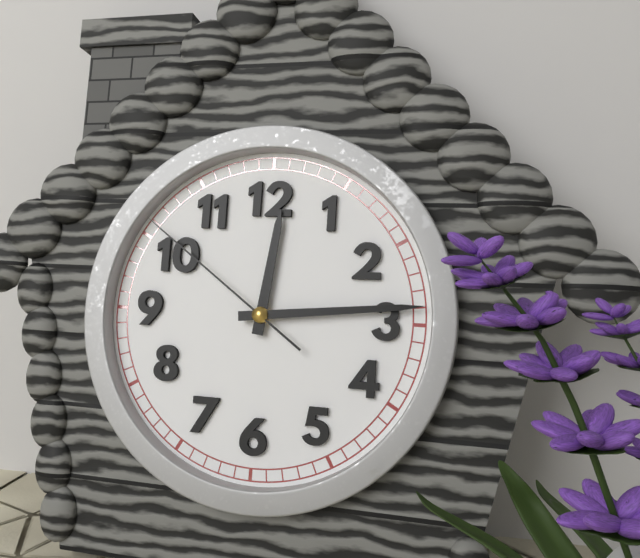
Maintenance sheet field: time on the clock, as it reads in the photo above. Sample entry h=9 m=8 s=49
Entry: h=12 m=14 s=51
